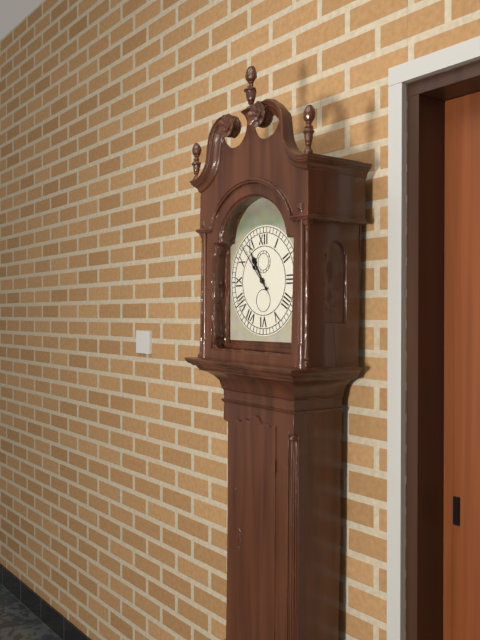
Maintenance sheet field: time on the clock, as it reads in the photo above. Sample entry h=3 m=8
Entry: h=10 m=53
